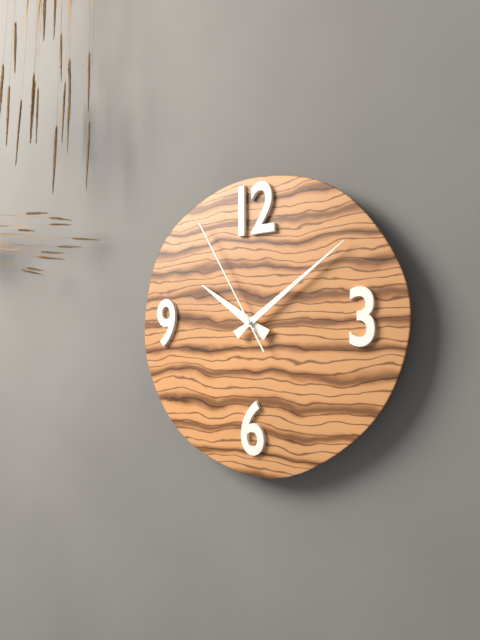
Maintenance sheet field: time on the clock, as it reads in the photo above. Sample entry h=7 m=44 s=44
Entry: h=10 m=9 s=55
